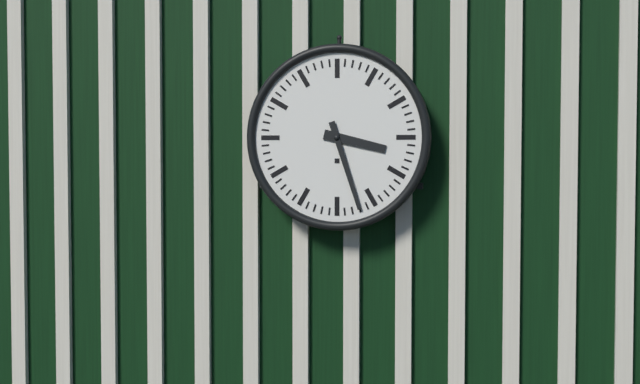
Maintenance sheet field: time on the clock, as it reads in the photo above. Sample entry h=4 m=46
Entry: h=3 m=27
